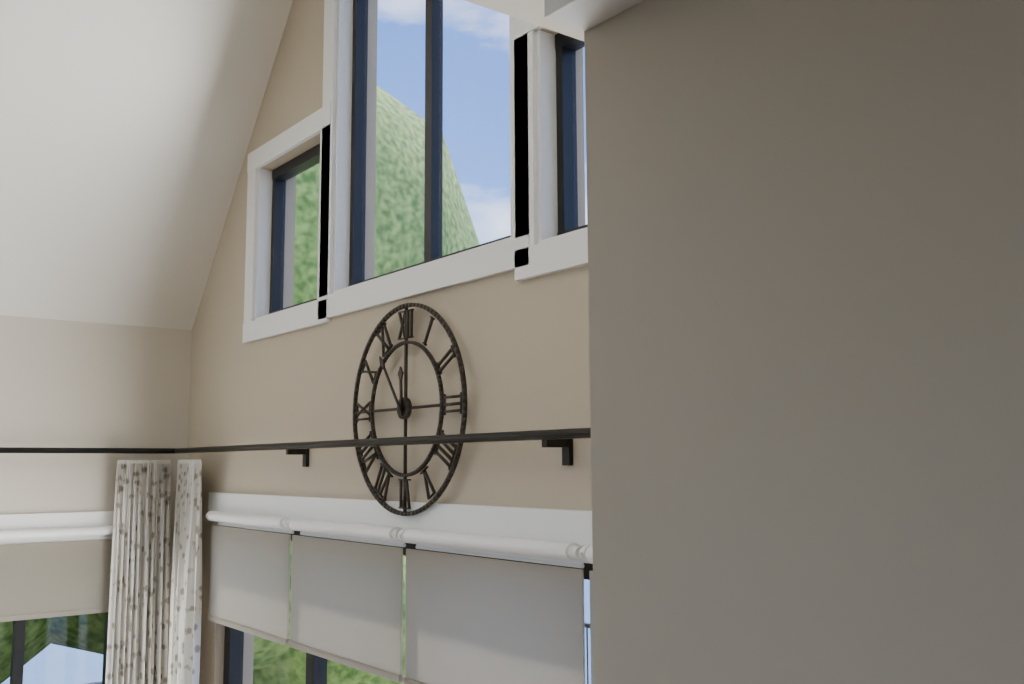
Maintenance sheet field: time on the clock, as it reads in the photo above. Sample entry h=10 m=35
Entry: h=11 m=54
